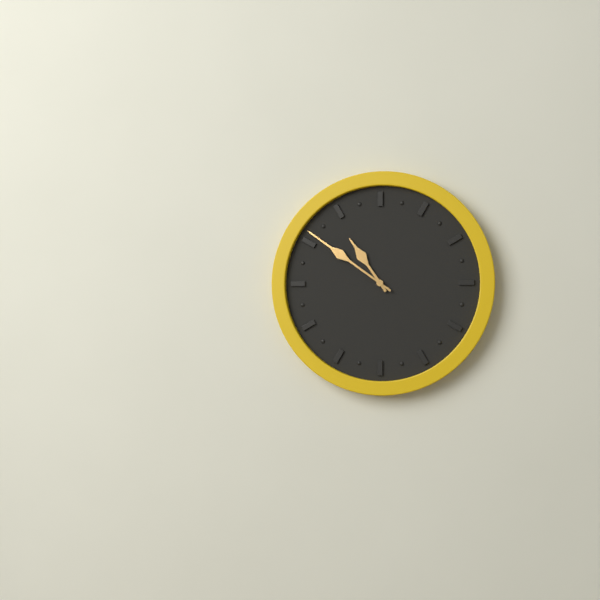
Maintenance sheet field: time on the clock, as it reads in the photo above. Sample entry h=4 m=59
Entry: h=10 m=51
